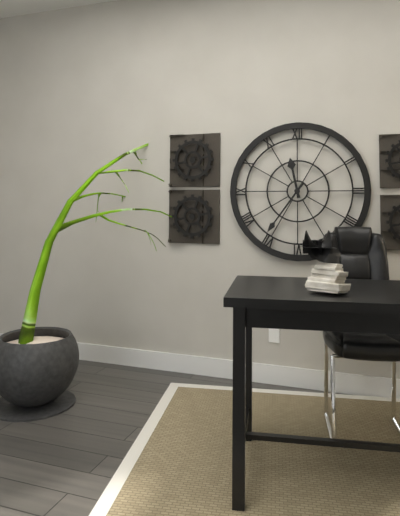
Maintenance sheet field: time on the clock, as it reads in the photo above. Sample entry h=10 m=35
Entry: h=11 m=36
